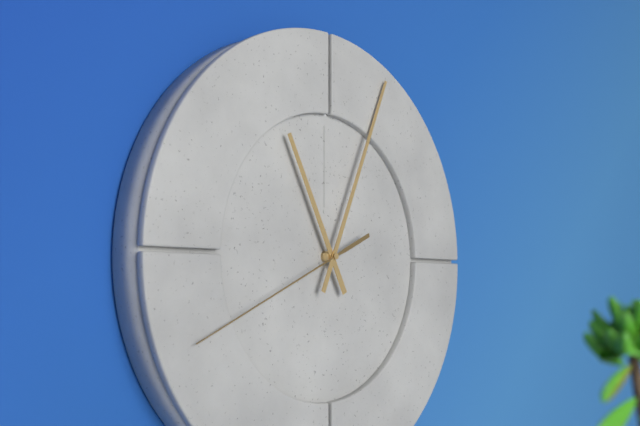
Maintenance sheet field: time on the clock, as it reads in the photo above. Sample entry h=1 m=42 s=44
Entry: h=11 m=4 s=41
